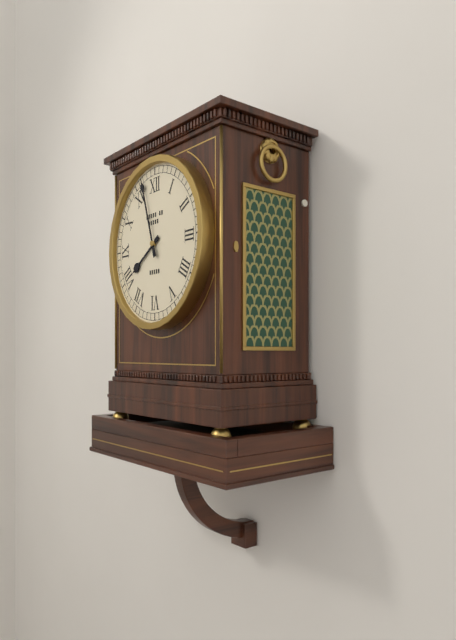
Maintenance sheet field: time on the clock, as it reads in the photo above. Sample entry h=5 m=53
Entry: h=7 m=57
